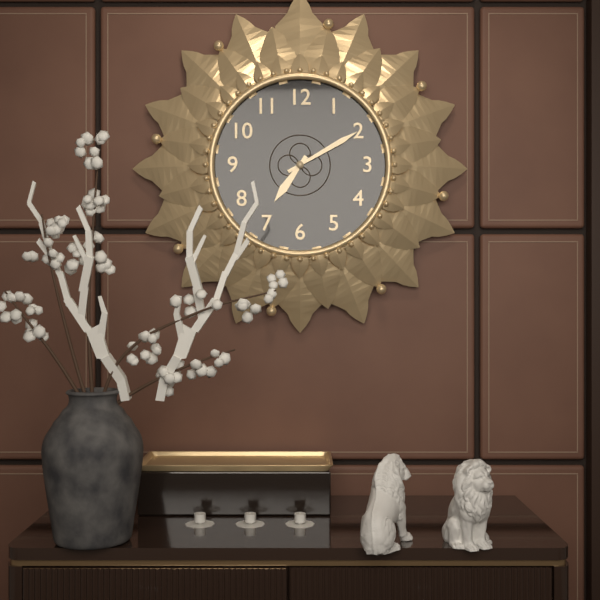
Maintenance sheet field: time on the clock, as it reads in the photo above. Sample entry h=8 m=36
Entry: h=7 m=10
